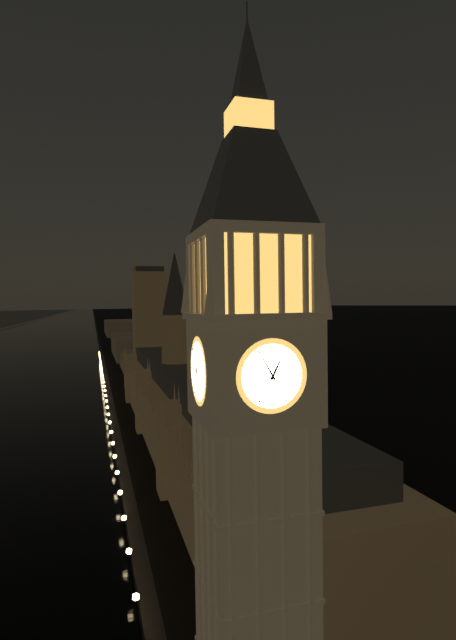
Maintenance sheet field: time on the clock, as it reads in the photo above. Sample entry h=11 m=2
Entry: h=12 m=55
